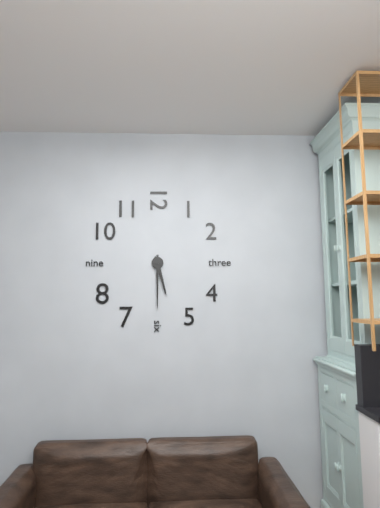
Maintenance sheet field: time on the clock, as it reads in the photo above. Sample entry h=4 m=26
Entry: h=5 m=30
